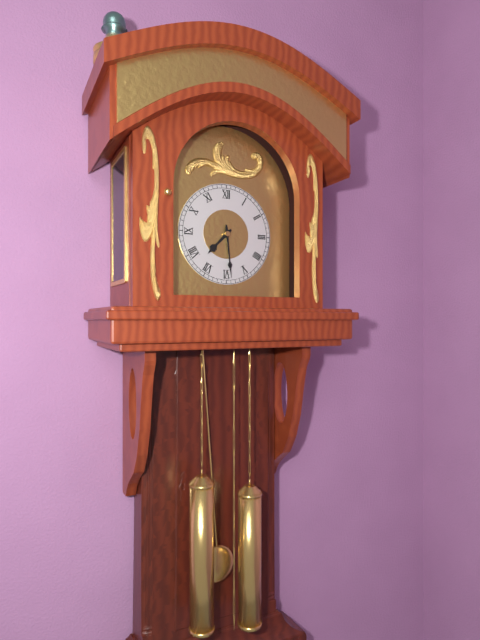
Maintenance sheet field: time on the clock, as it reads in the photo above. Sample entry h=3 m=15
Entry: h=7 m=29
